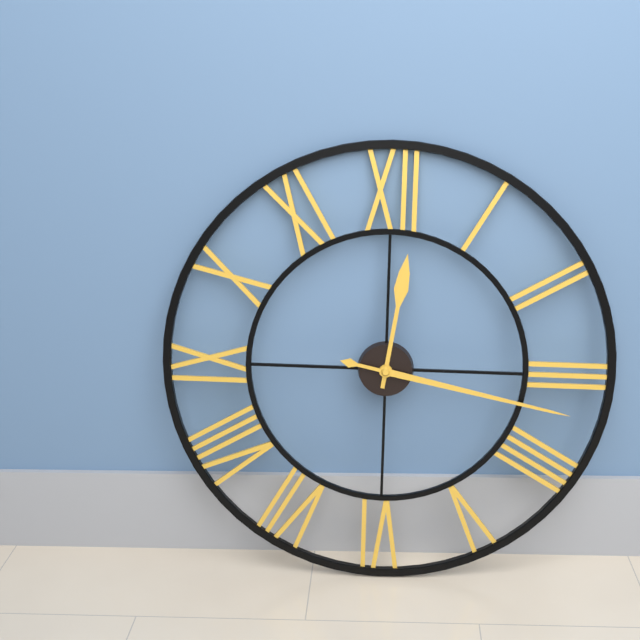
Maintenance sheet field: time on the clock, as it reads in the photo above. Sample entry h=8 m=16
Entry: h=12 m=17
